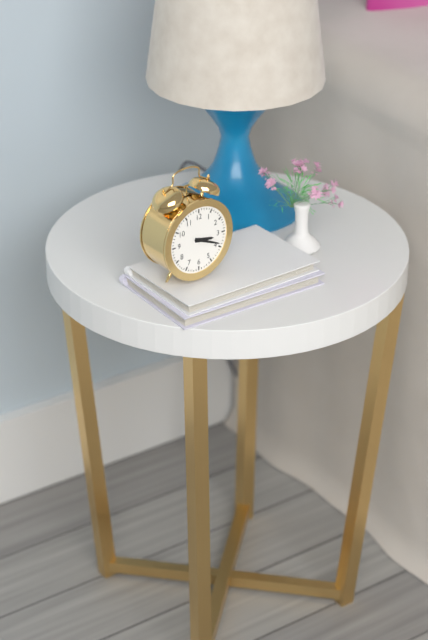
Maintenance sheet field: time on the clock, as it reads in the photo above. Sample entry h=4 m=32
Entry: h=3 m=19
